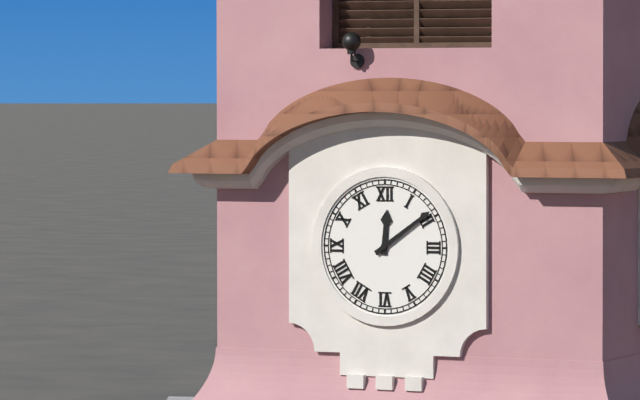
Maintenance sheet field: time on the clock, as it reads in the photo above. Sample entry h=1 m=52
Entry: h=12 m=9
